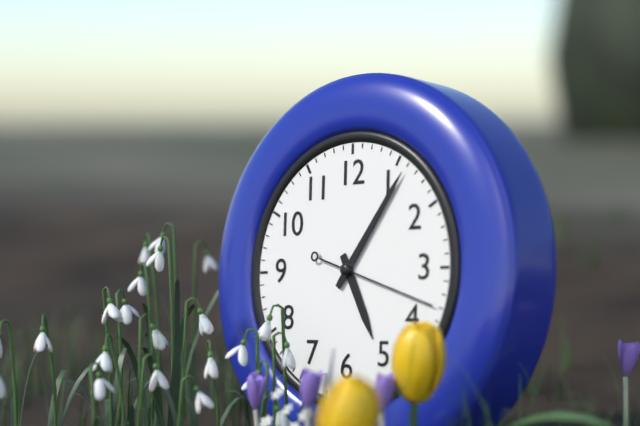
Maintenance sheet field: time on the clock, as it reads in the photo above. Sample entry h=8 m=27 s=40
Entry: h=5 m=6 s=18
